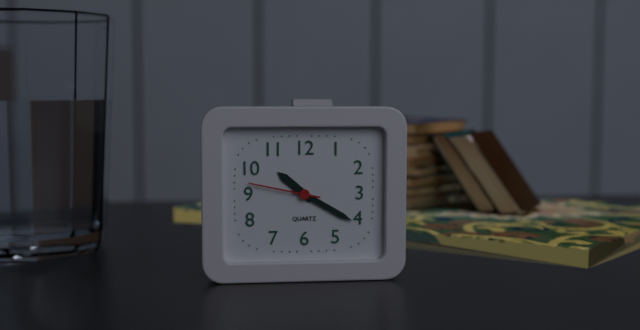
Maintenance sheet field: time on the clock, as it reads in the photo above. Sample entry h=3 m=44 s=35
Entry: h=10 m=20 s=47
